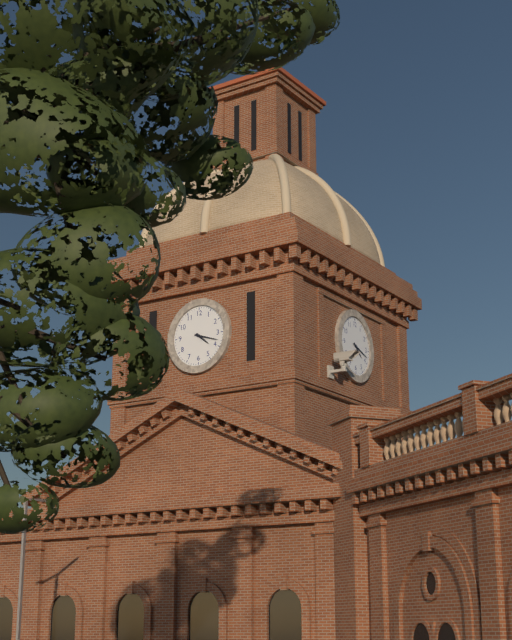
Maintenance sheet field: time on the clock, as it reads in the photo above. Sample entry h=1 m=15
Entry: h=4 m=18
